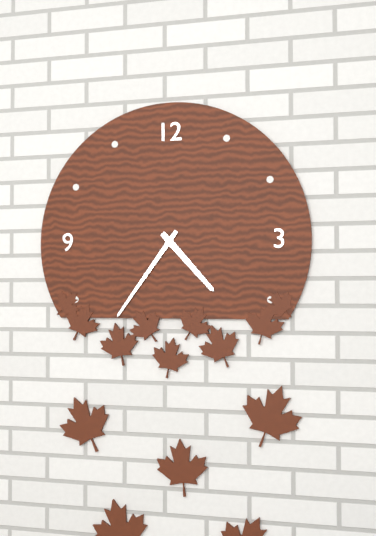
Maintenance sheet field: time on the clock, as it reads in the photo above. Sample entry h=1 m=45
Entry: h=4 m=36
